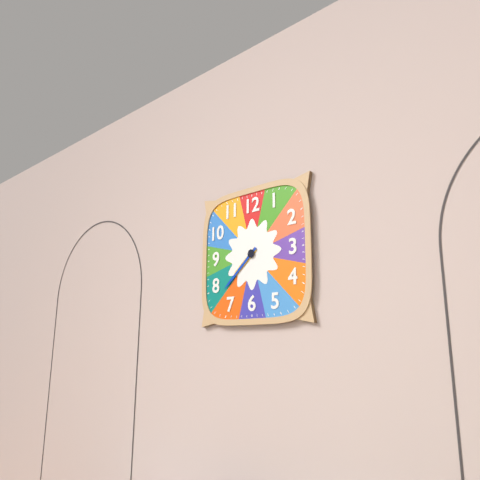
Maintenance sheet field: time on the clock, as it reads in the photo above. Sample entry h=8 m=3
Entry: h=7 m=38
